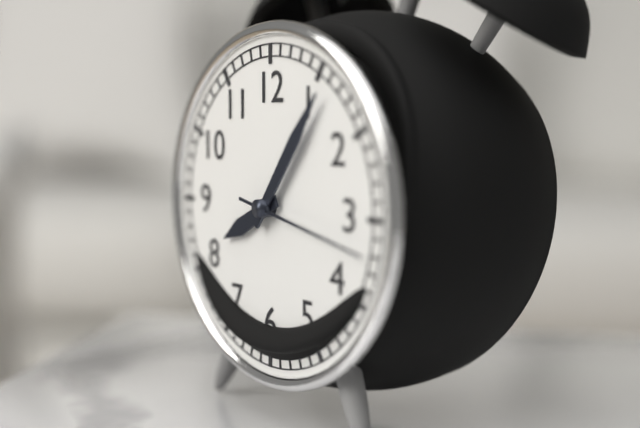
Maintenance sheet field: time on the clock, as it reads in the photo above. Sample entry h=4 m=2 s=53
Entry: h=8 m=6 s=17
